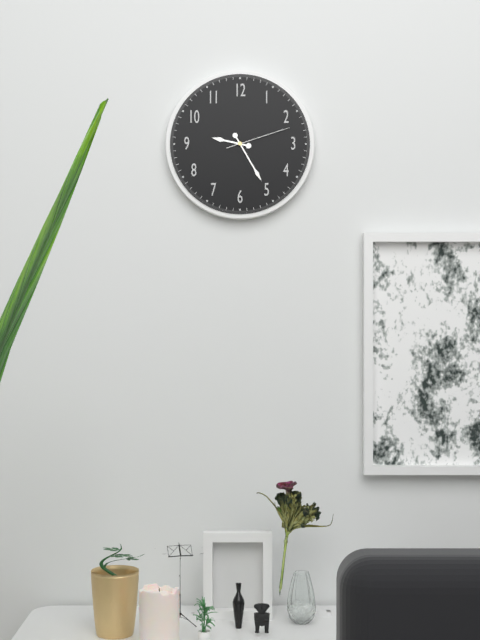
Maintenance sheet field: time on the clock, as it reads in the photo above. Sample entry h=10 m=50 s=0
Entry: h=9 m=25 s=12
